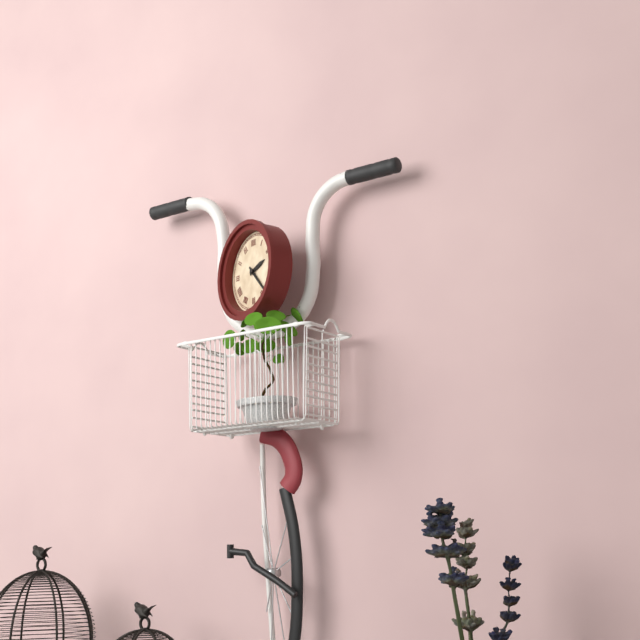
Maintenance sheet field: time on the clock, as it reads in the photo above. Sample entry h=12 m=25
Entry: h=2 m=23
